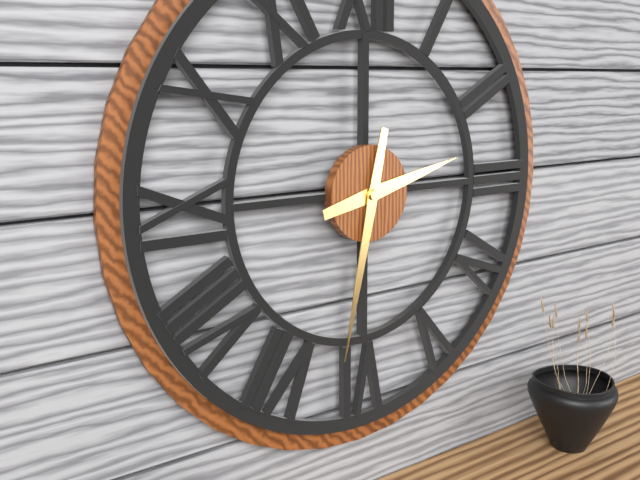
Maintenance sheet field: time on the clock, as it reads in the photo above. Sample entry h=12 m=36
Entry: h=2 m=32
